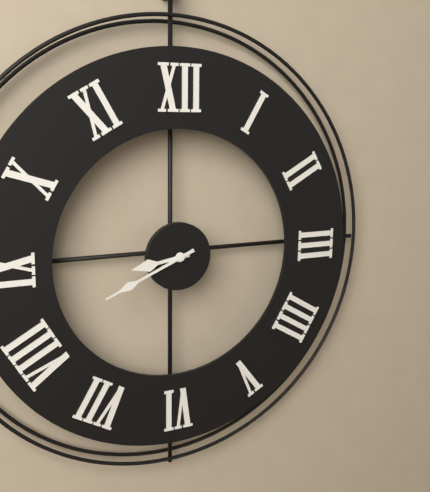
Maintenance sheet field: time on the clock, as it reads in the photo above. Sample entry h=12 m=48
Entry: h=8 m=41
